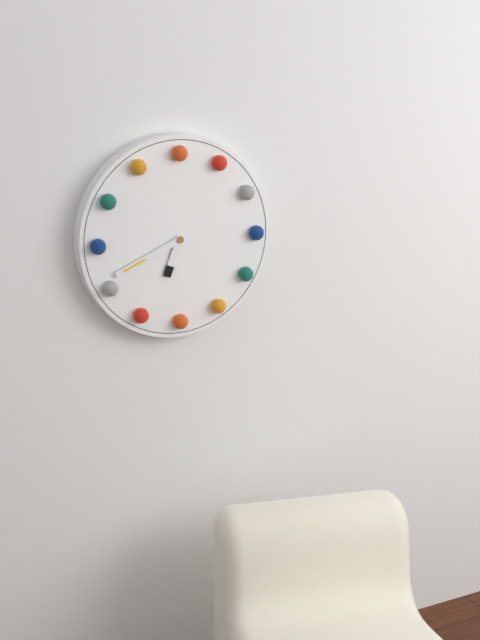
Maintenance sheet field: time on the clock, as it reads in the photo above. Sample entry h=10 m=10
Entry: h=6 m=41
